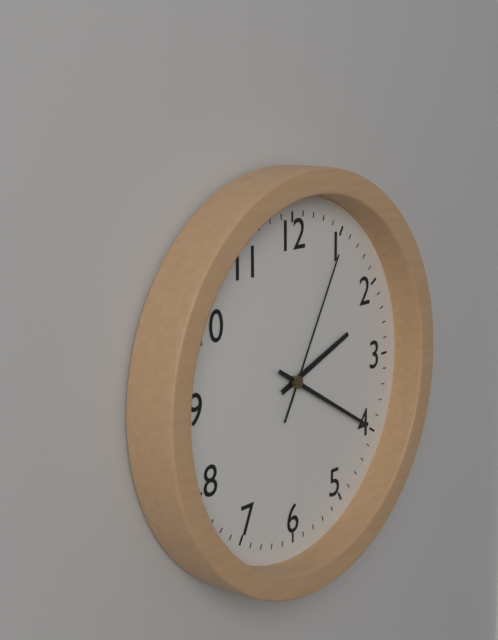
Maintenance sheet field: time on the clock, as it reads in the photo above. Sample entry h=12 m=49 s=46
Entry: h=2 m=20 s=5
